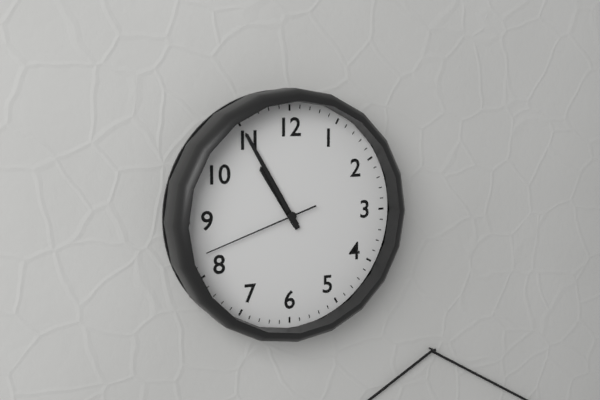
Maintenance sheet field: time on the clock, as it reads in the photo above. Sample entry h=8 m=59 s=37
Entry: h=10 m=55 s=42
